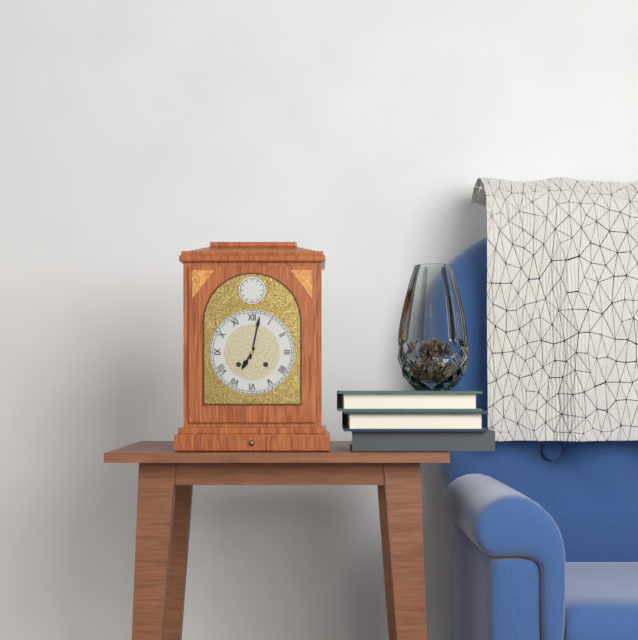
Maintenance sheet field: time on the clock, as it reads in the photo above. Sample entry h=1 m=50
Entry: h=7 m=2
